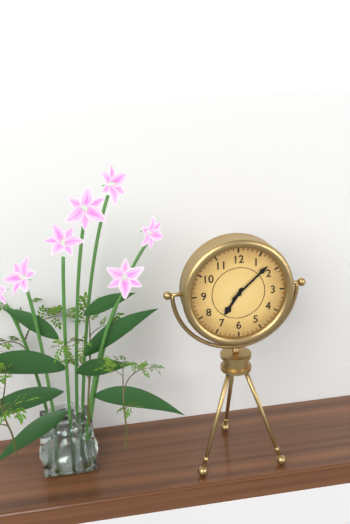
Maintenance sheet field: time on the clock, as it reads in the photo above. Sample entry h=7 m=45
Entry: h=7 m=8
